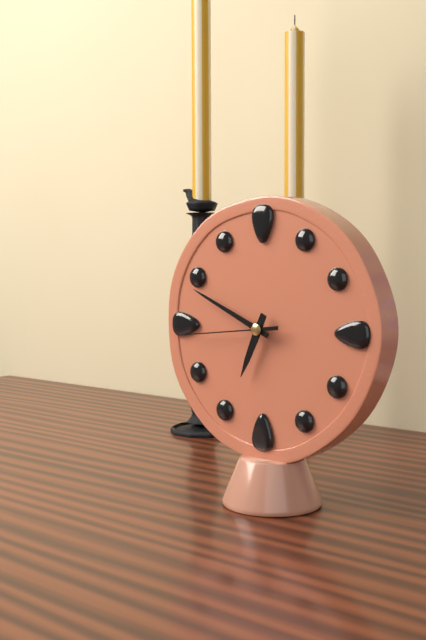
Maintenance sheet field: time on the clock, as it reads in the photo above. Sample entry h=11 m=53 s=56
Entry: h=6 m=49 s=44
